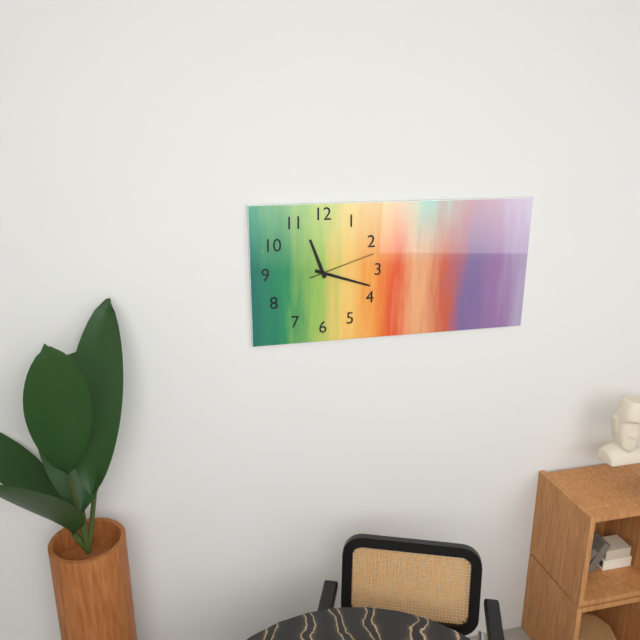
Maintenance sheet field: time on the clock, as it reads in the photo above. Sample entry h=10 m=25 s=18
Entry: h=11 m=18 s=12
